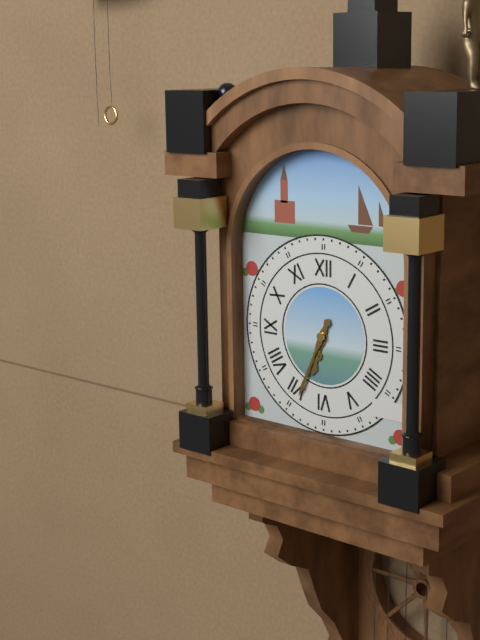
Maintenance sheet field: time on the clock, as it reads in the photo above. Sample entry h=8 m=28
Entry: h=6 m=34
